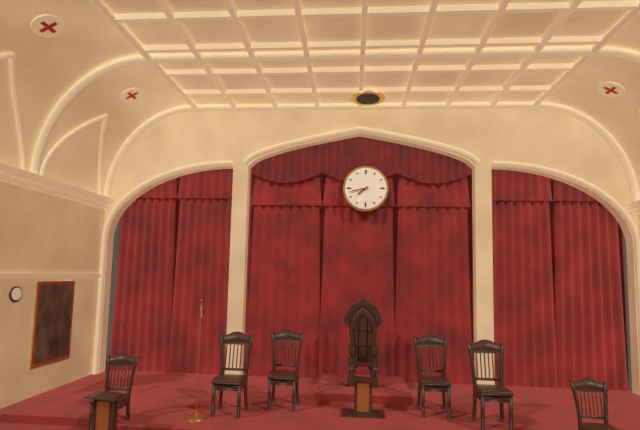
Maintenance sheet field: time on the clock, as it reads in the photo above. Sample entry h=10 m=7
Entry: h=7 m=43
